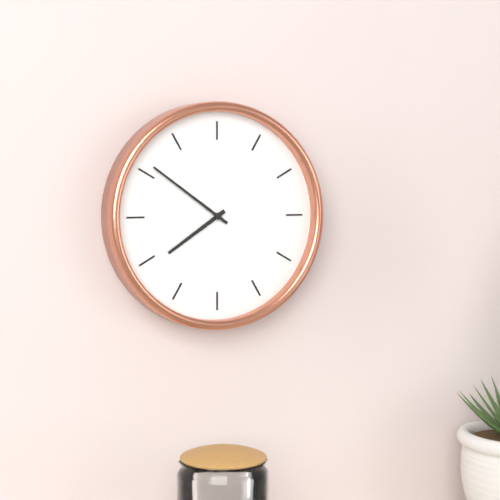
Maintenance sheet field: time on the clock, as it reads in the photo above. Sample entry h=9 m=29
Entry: h=7 m=51
